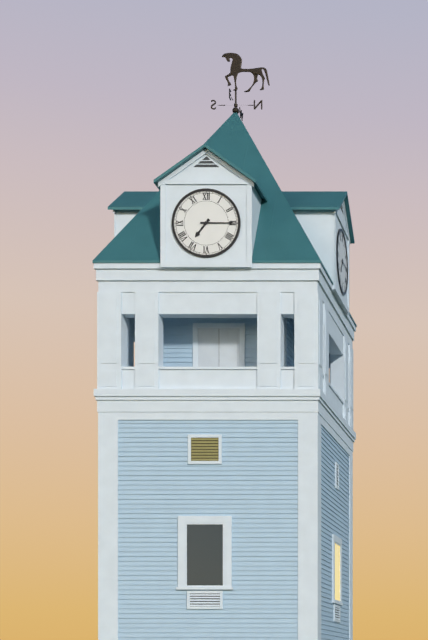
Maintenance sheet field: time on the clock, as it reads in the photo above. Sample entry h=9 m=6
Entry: h=7 m=15
